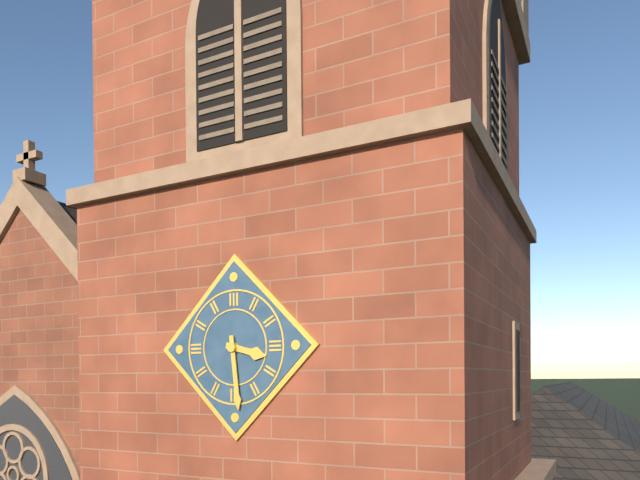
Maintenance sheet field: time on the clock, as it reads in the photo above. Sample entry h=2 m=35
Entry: h=3 m=29
